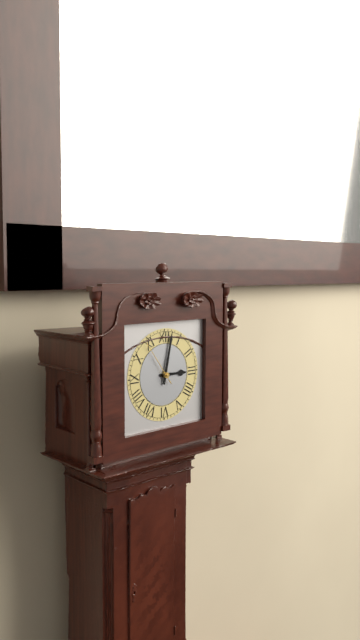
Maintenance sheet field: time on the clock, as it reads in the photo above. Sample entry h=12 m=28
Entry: h=3 m=2
